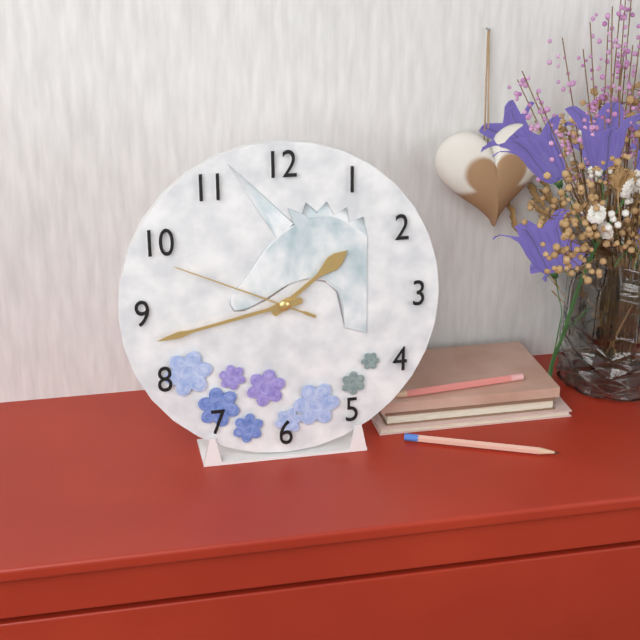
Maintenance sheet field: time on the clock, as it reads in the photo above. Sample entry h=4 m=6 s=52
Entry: h=1 m=43 s=49
